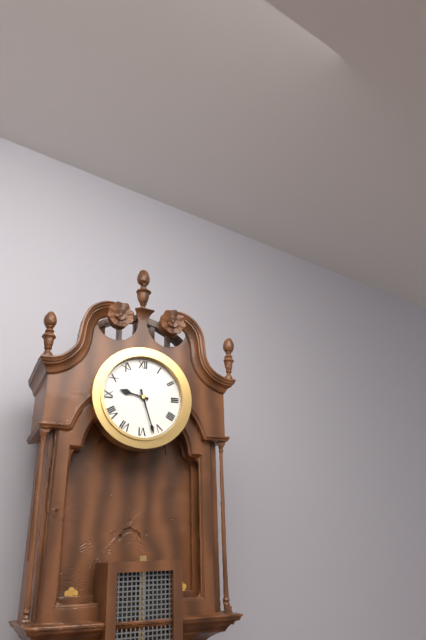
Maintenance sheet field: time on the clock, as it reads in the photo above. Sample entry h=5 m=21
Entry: h=9 m=27
